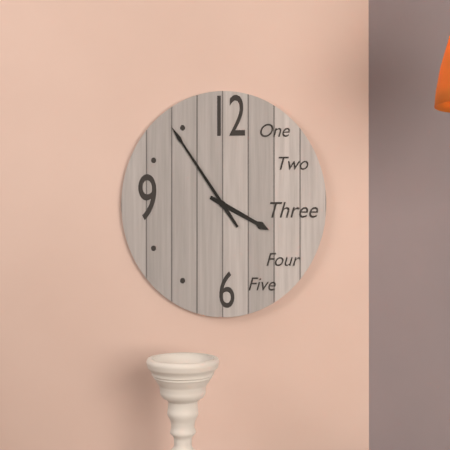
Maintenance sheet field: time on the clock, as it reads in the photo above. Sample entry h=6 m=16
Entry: h=3 m=54
